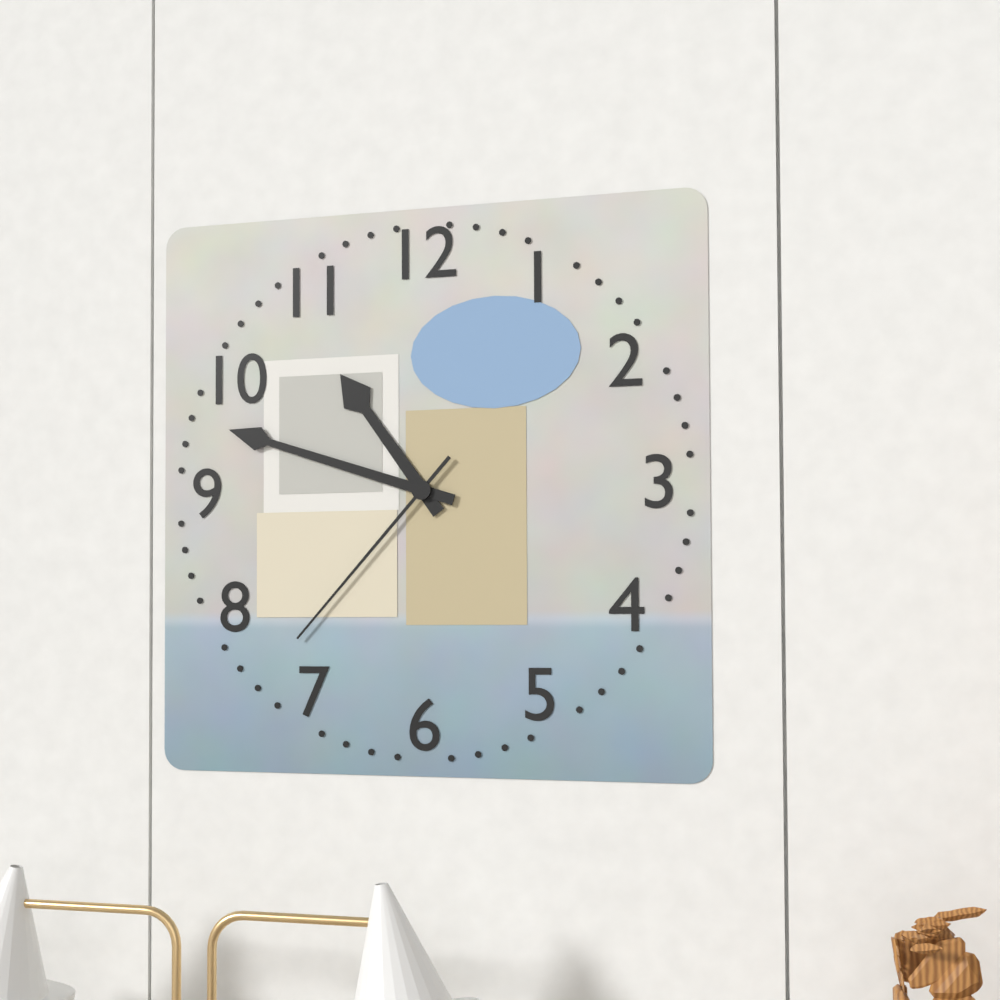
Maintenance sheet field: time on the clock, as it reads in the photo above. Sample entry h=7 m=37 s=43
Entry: h=10 m=48 s=37
